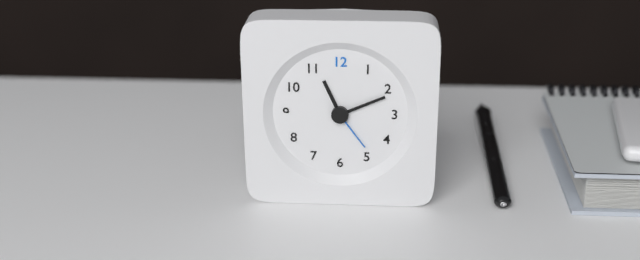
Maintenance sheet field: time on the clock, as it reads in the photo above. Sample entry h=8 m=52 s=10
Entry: h=11 m=11 s=24
